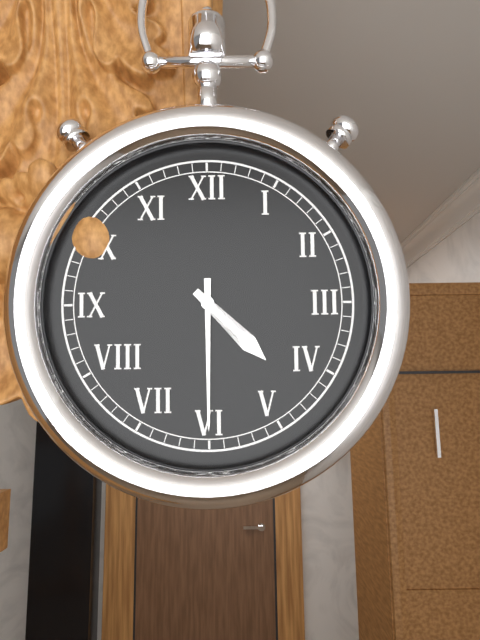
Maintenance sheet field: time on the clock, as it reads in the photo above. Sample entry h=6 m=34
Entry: h=4 m=30
